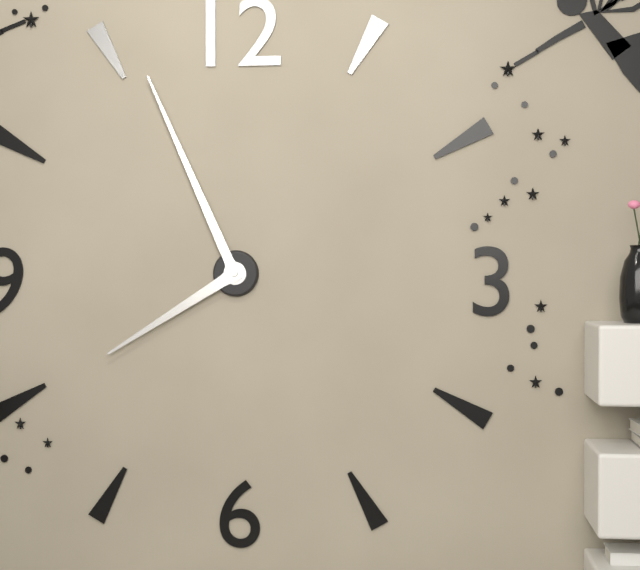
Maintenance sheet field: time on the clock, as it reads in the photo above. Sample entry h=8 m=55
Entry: h=7 m=56
